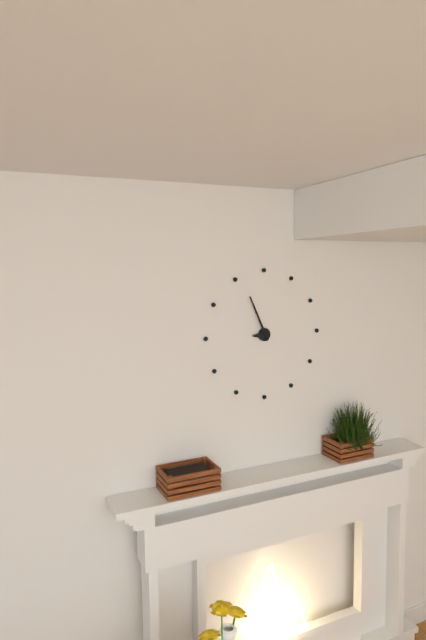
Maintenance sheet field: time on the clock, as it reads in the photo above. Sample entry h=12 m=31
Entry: h=8 m=56
